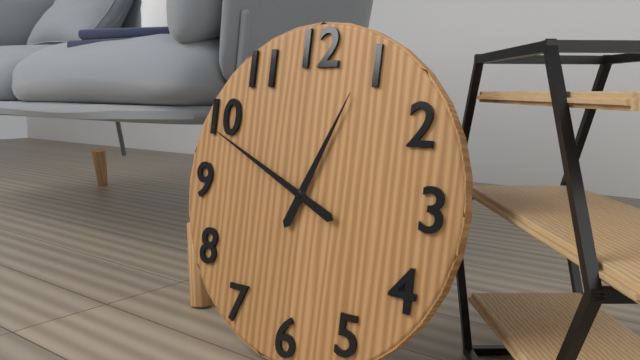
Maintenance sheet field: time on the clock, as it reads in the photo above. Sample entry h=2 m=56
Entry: h=12 m=49
